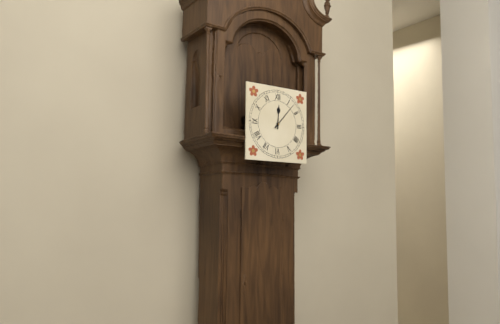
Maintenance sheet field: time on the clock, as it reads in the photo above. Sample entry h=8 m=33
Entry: h=12 m=7
